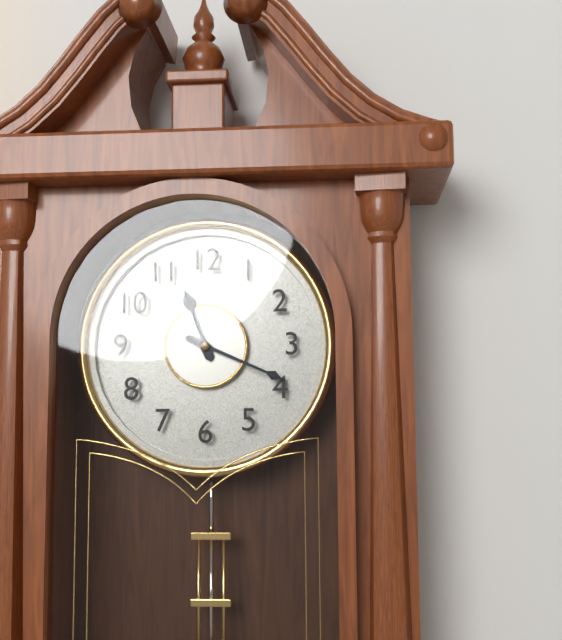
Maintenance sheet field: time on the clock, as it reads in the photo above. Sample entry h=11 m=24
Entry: h=11 m=19
